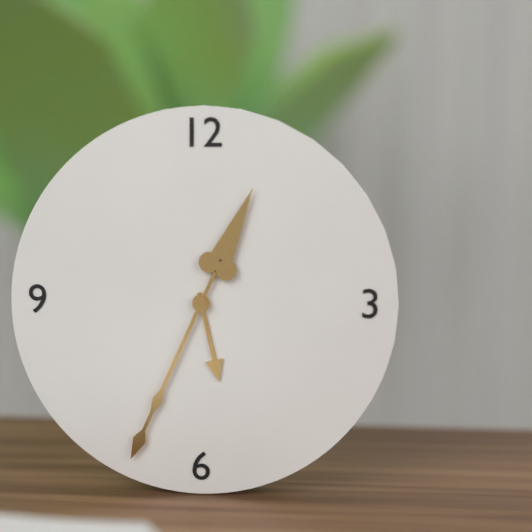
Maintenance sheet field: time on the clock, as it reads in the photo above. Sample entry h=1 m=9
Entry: h=5 m=34
